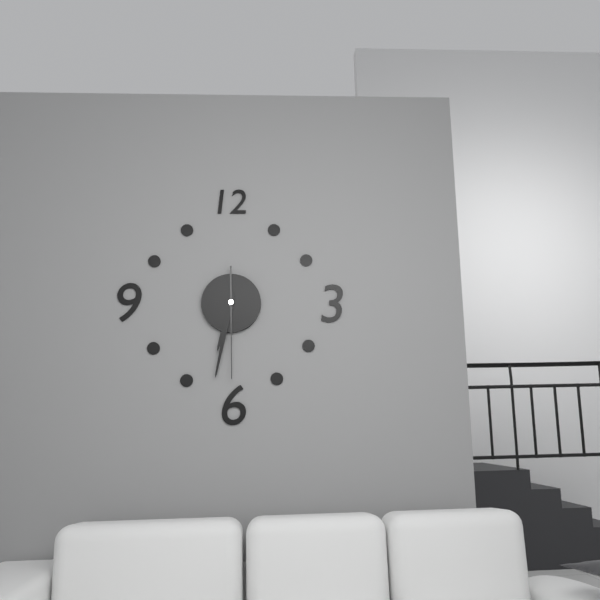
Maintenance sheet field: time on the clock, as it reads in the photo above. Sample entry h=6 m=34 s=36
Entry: h=6 m=32 s=30
